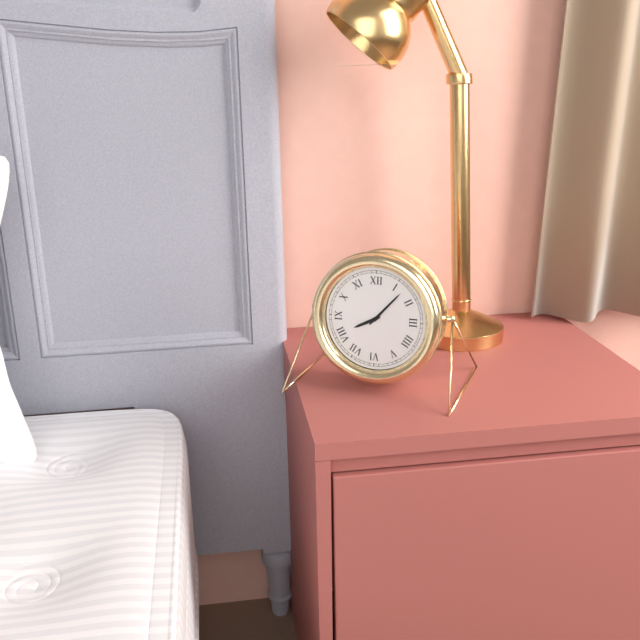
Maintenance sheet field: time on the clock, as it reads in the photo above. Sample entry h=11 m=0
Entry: h=8 m=7
